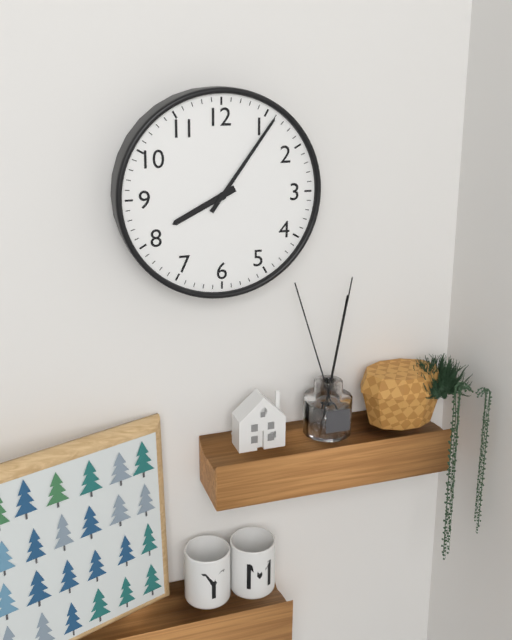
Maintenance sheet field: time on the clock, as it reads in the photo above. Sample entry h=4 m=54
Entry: h=8 m=6
